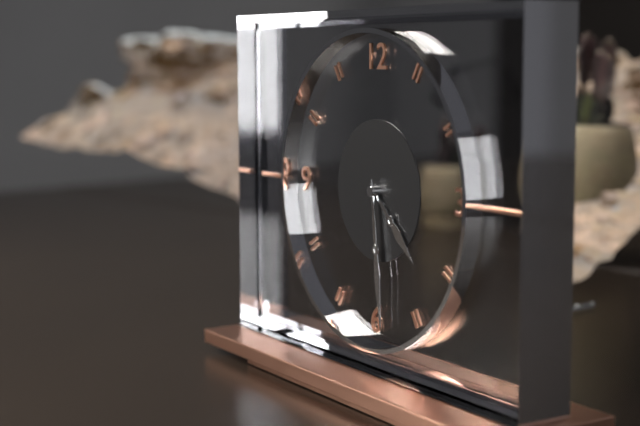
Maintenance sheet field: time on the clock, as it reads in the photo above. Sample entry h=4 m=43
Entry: h=4 m=29
